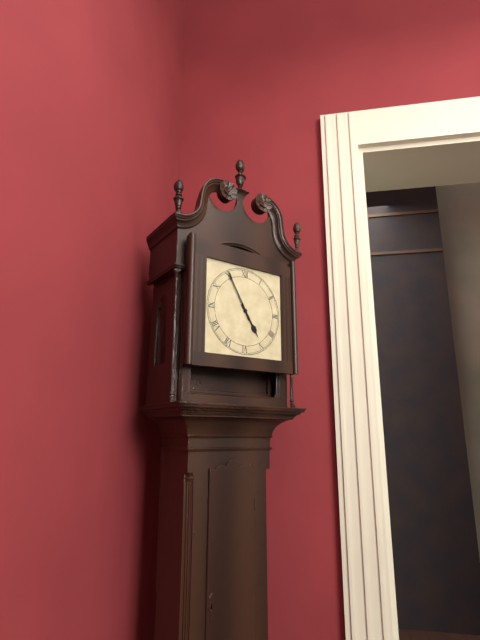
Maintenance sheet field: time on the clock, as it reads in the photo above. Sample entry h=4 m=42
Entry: h=4 m=55
